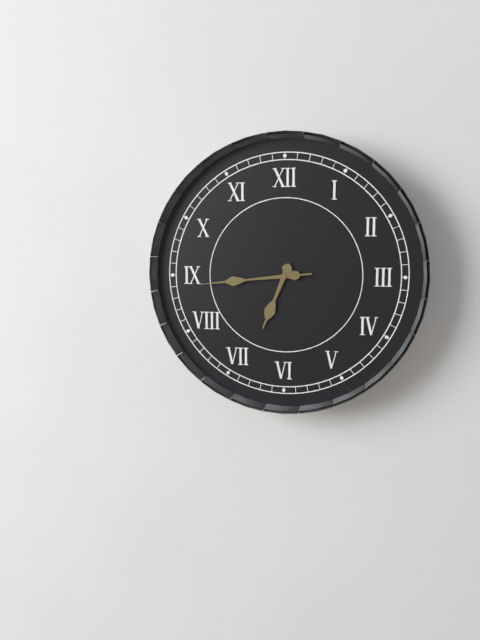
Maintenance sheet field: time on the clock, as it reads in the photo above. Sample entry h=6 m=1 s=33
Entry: h=6 m=44 s=44
